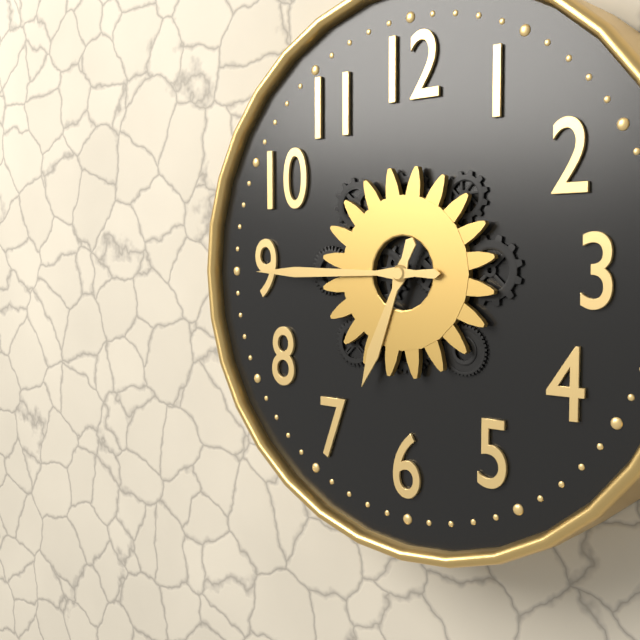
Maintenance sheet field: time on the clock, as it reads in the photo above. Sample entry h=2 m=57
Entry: h=6 m=45
